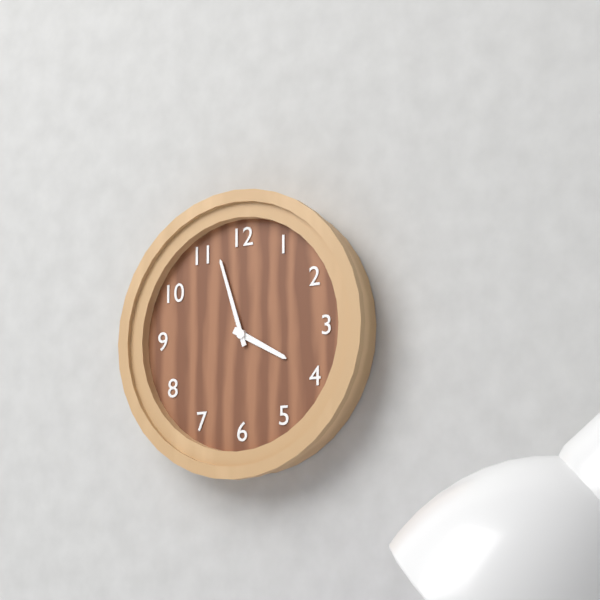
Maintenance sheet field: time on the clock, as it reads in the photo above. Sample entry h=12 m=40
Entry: h=3 m=57
